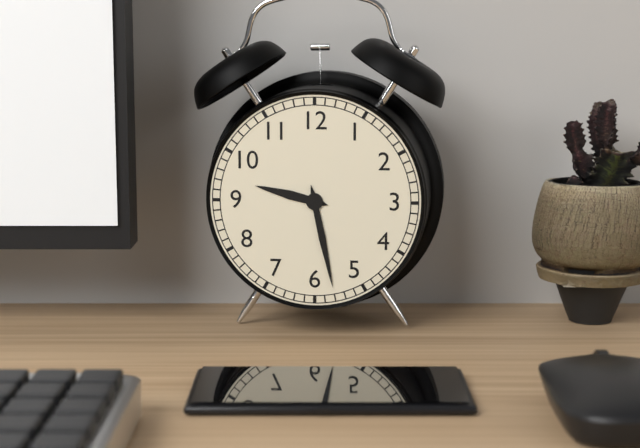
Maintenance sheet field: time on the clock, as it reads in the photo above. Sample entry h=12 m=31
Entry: h=9 m=28
